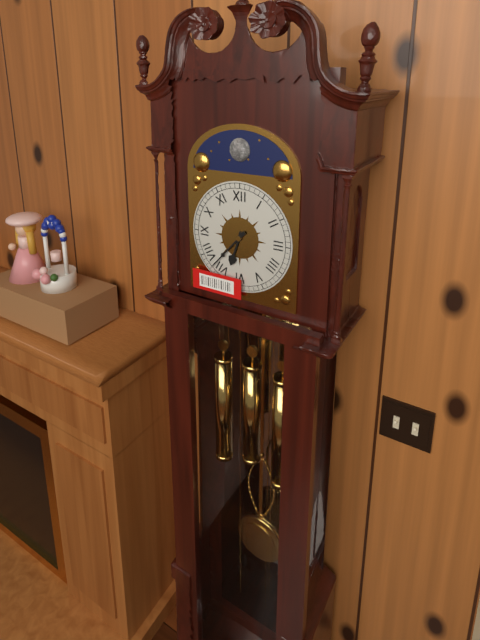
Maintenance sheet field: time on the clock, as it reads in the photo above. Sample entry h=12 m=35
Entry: h=6 m=37
